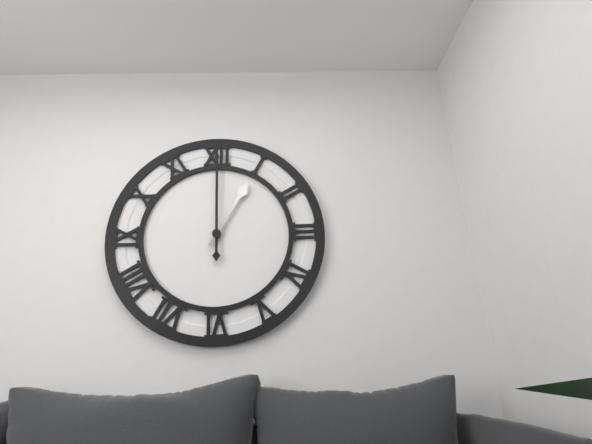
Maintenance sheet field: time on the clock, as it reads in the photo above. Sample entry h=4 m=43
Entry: h=1 m=0
